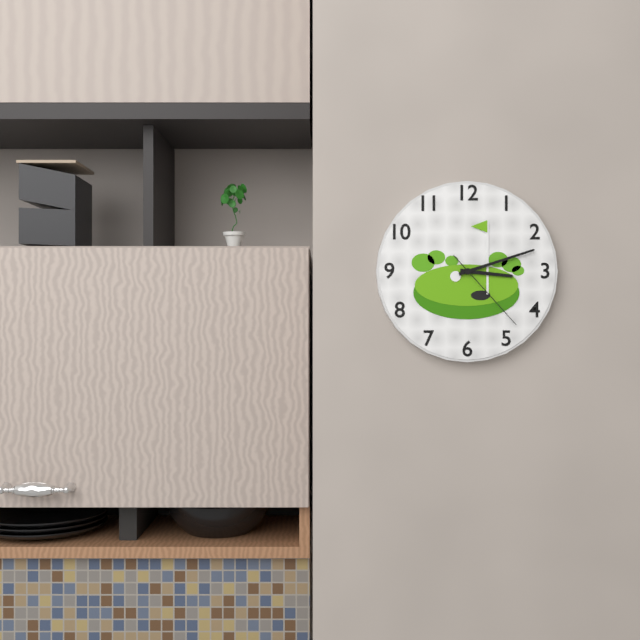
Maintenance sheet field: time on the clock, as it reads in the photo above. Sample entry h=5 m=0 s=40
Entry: h=3 m=12 s=23
